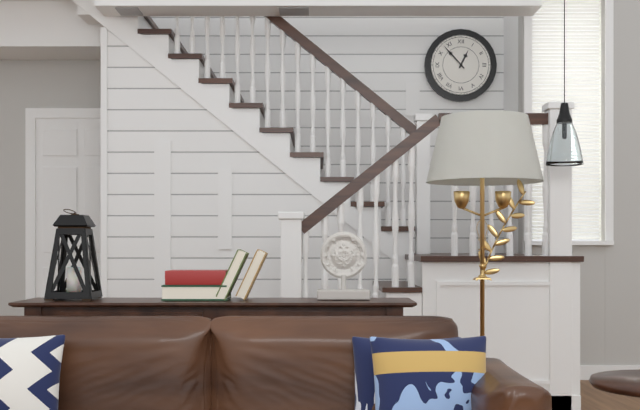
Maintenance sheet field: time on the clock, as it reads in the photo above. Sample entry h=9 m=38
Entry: h=12 m=53
